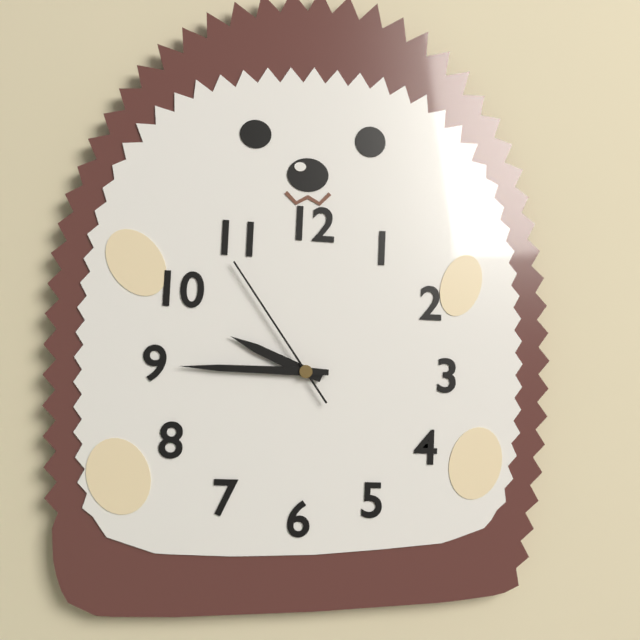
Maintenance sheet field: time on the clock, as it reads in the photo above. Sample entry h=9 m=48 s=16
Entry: h=9 m=45 s=54
